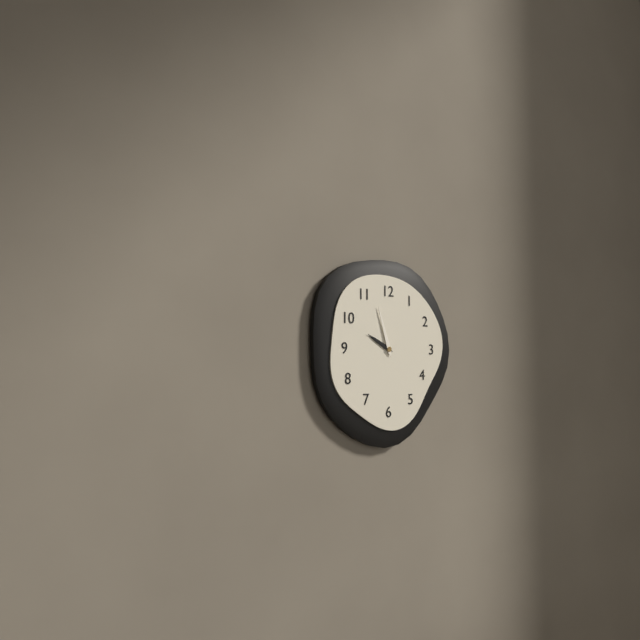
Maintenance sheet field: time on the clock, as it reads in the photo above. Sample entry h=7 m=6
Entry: h=9 m=57
